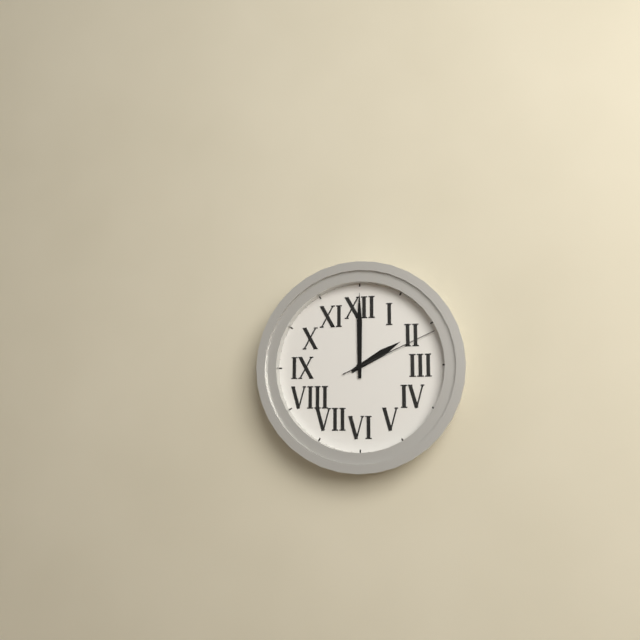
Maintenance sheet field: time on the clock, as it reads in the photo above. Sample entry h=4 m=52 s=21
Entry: h=2 m=0 s=11
